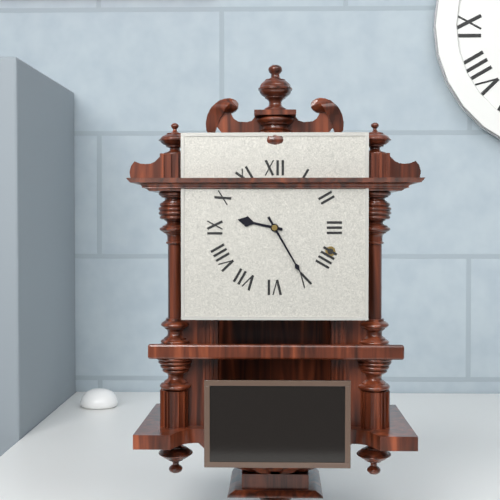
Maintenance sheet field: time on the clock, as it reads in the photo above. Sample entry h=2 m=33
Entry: h=9 m=25
